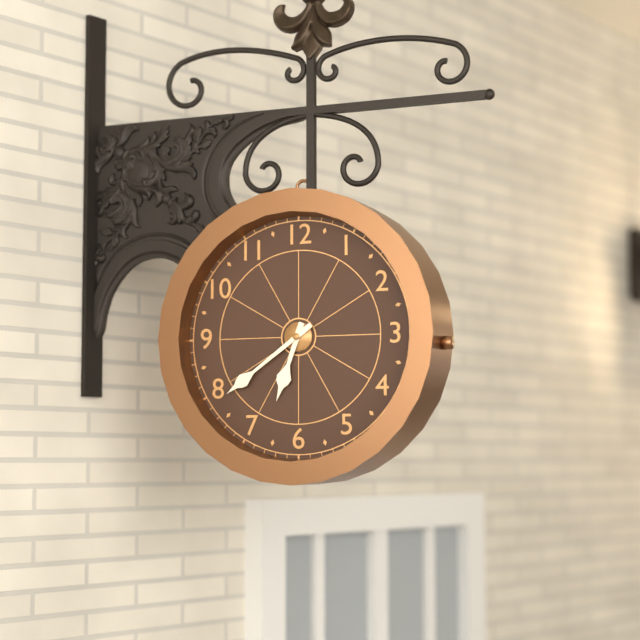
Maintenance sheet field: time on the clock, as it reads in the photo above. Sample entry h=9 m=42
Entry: h=6 m=39
